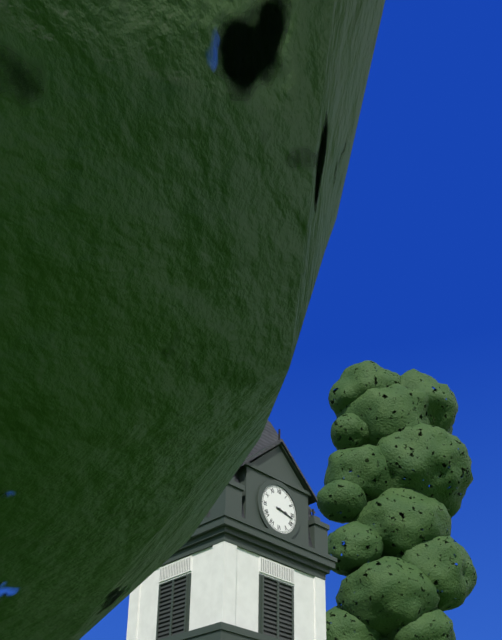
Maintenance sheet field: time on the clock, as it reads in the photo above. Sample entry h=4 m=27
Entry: h=3 m=17
